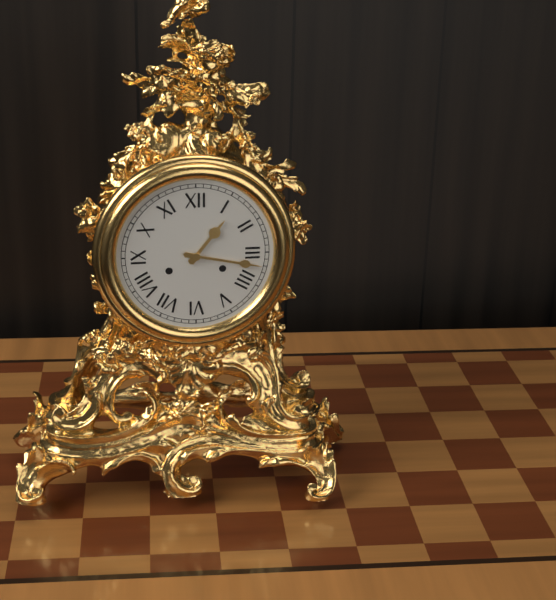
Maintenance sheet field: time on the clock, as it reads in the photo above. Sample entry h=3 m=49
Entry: h=1 m=17
